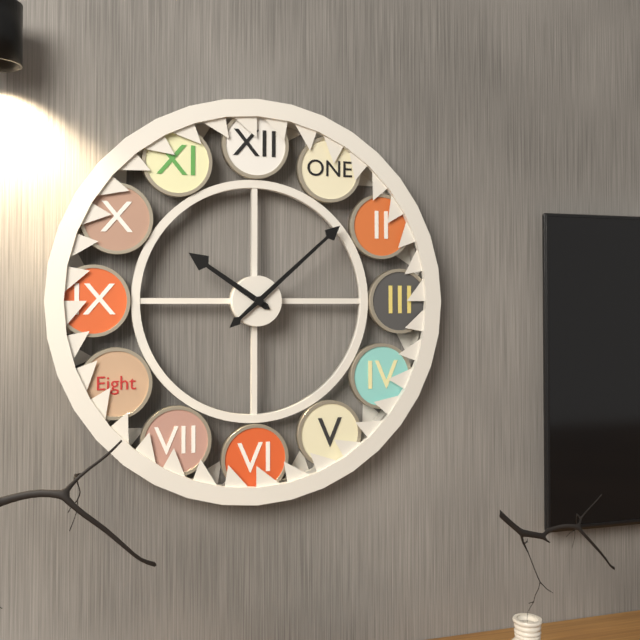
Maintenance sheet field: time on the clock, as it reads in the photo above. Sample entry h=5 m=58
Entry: h=10 m=8
